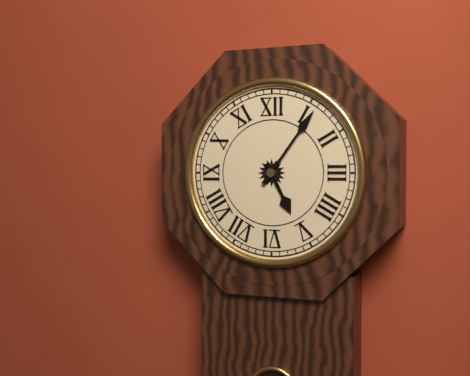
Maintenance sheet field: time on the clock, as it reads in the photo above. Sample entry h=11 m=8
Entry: h=5 m=6
